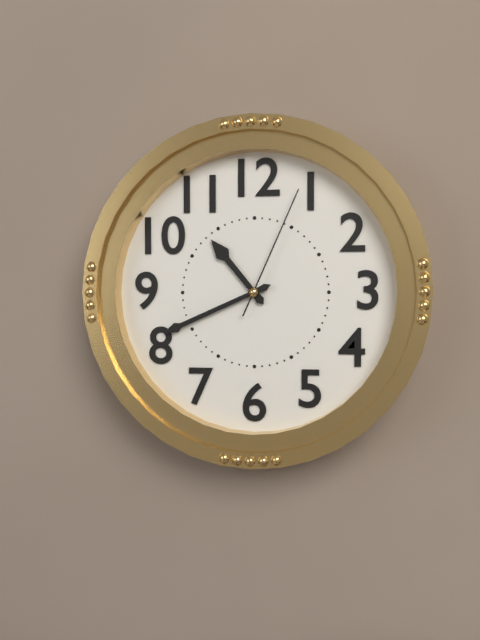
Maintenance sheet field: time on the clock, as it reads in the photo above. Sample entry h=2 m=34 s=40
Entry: h=10 m=41 s=4
